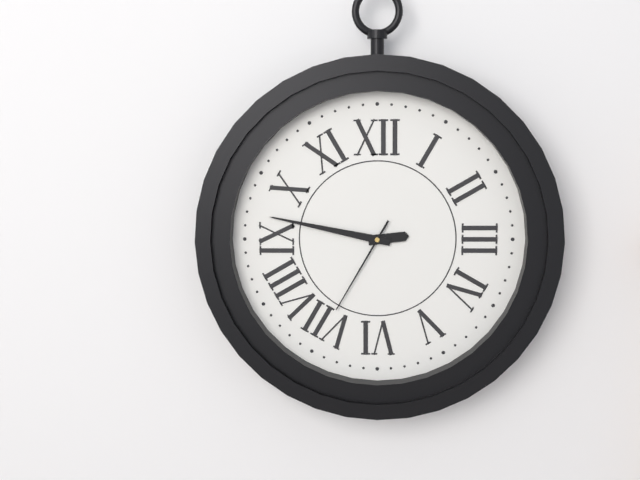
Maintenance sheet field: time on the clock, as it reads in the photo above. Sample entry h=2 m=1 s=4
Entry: h=2 m=47 s=35
